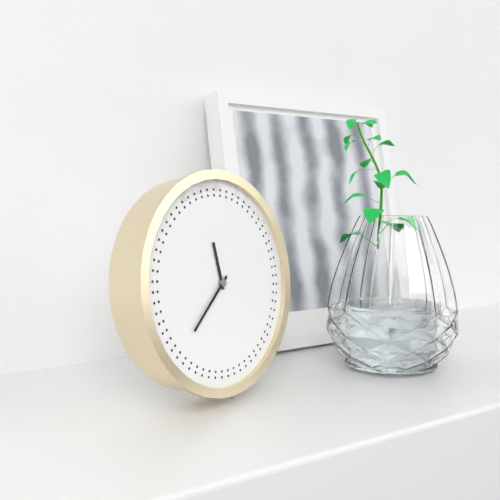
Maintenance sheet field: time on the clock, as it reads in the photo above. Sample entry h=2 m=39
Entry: h=11 m=38
